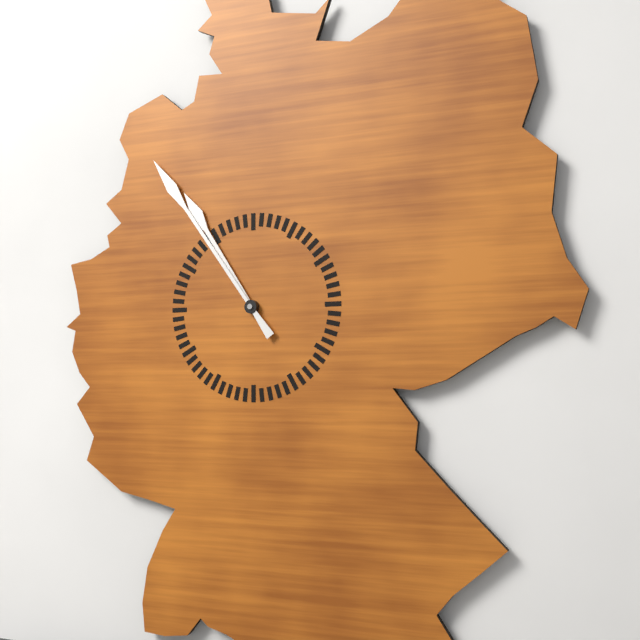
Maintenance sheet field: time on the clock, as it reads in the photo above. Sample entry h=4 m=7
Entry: h=10 m=54
